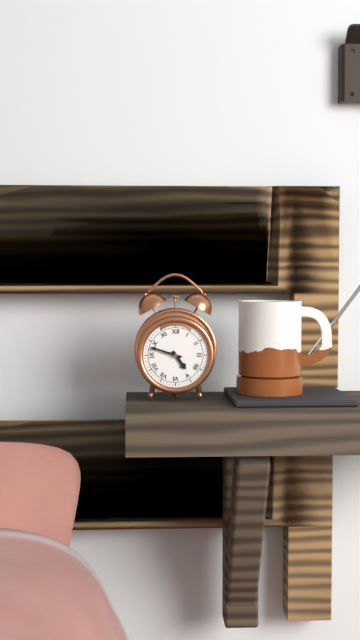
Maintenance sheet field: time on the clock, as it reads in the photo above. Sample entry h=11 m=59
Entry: h=4 m=48
